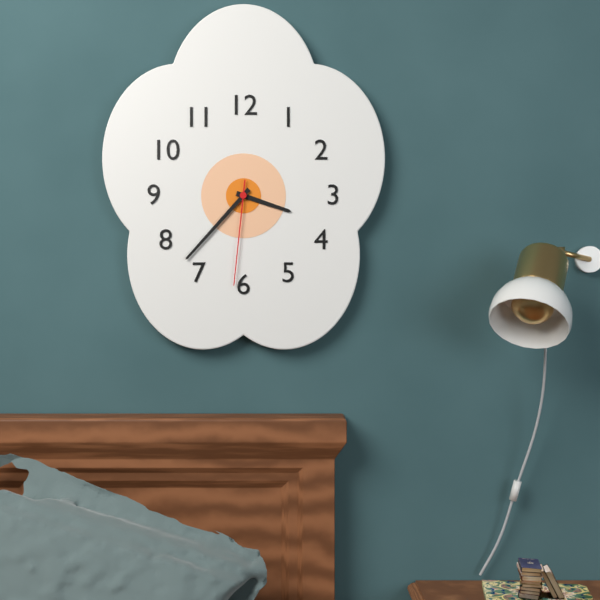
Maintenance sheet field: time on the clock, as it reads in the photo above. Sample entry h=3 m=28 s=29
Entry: h=3 m=37 s=31
